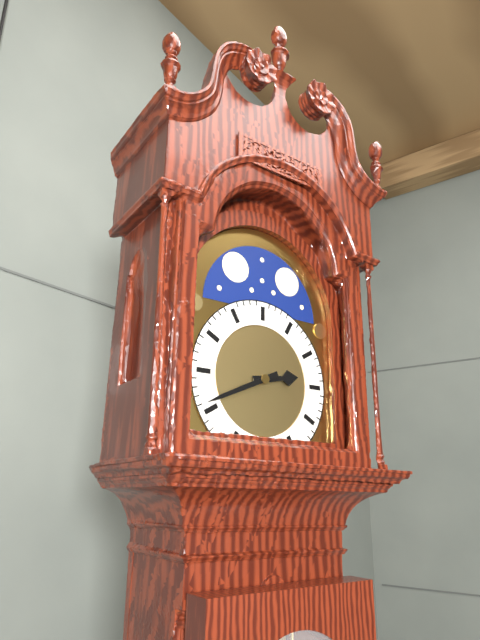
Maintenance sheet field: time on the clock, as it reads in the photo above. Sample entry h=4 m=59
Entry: h=2 m=41
